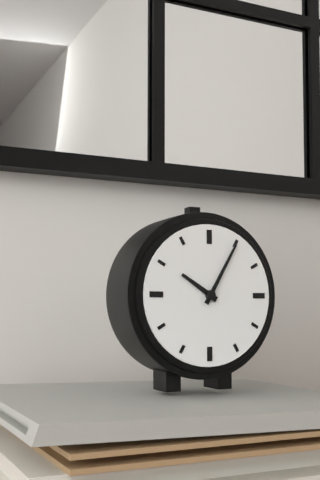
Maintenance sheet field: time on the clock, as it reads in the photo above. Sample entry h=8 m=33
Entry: h=10 m=5
